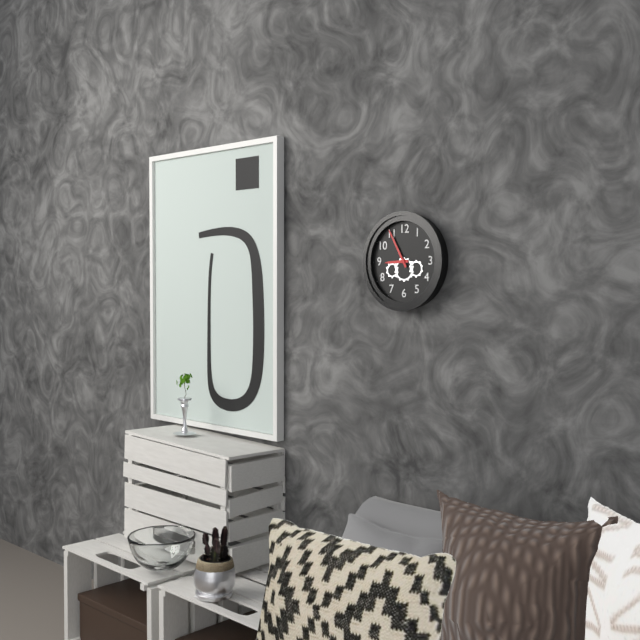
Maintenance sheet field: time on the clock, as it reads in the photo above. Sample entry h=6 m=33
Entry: h=8 m=55
